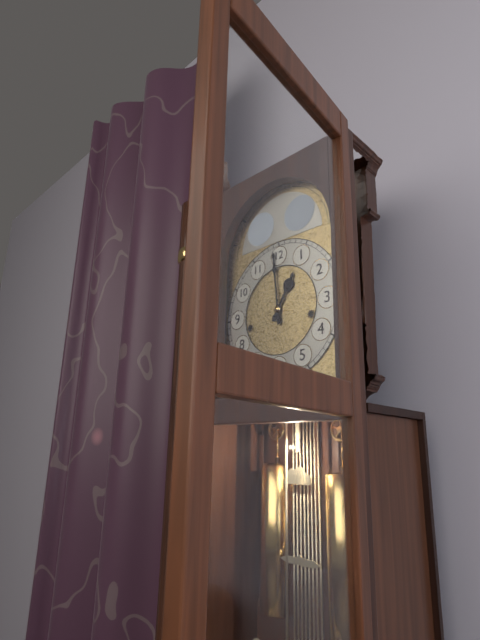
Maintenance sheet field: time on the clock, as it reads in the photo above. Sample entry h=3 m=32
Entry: h=12 m=59
